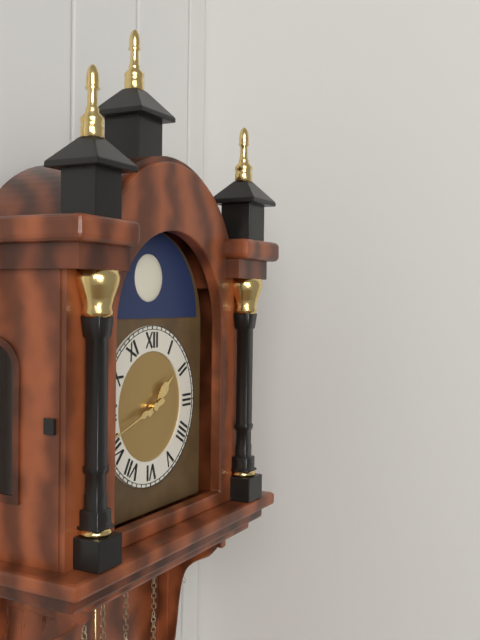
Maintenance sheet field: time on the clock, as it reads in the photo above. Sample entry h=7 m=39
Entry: h=1 m=42
